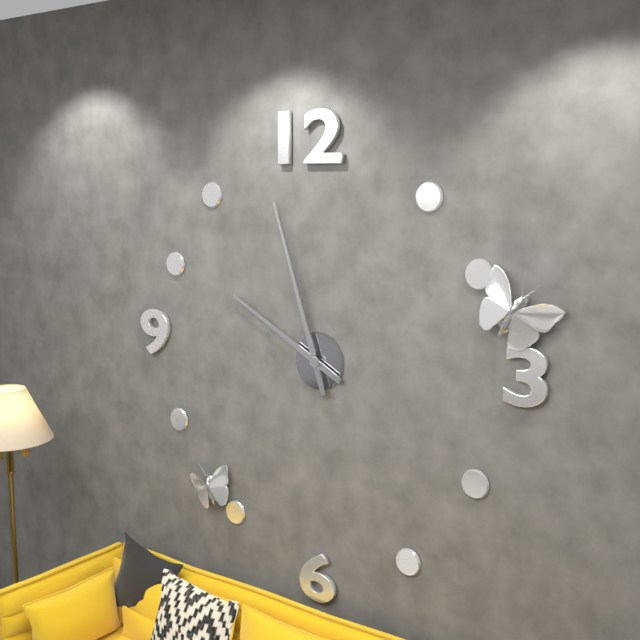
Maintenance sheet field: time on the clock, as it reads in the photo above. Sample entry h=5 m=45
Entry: h=9 m=57
